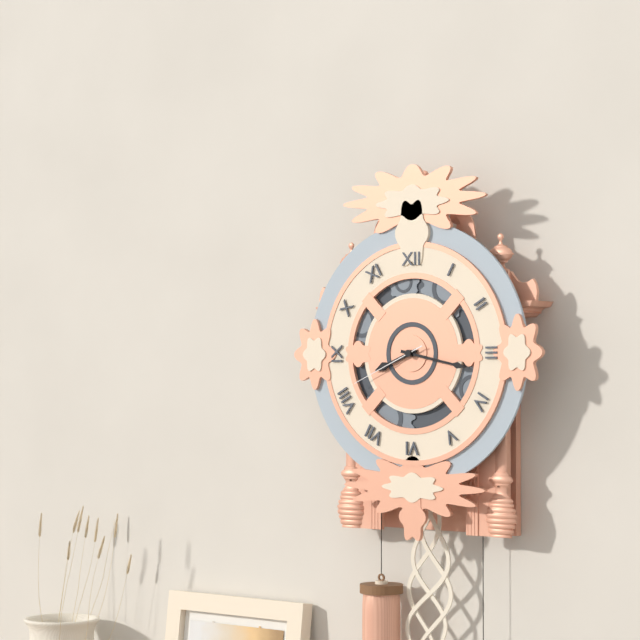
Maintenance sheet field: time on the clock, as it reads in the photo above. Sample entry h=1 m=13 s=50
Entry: h=8 m=17 s=41
